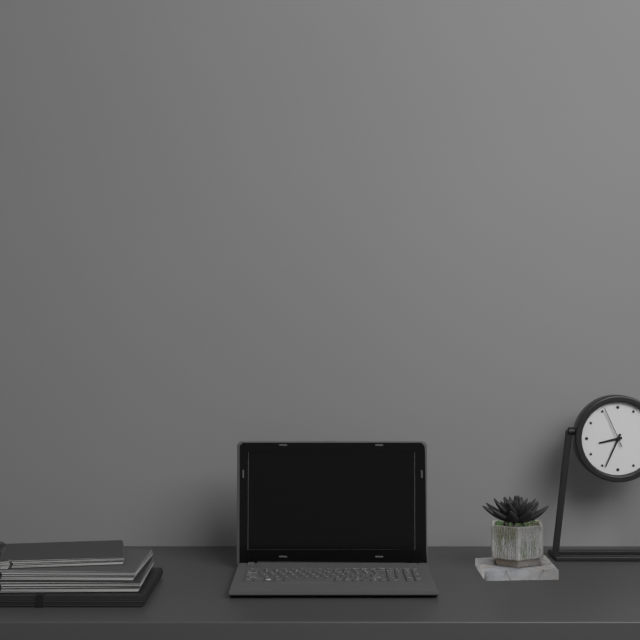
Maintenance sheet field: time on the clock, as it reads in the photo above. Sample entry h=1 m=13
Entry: h=8 m=34
